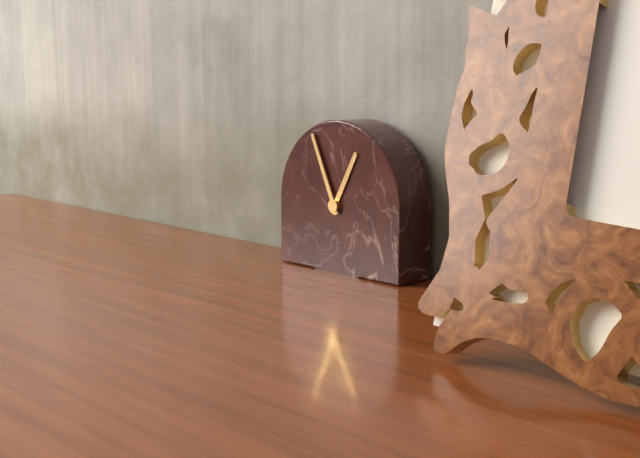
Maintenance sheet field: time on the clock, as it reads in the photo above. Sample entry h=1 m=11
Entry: h=12 m=56
